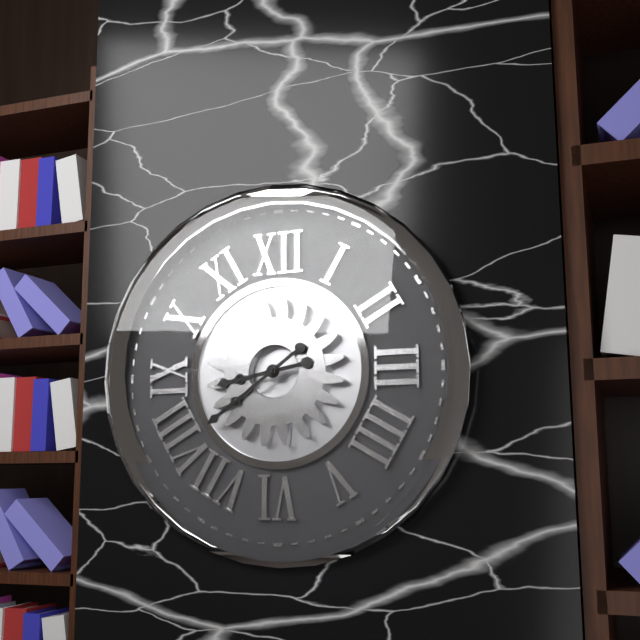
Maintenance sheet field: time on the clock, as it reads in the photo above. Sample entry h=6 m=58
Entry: h=8 m=39
